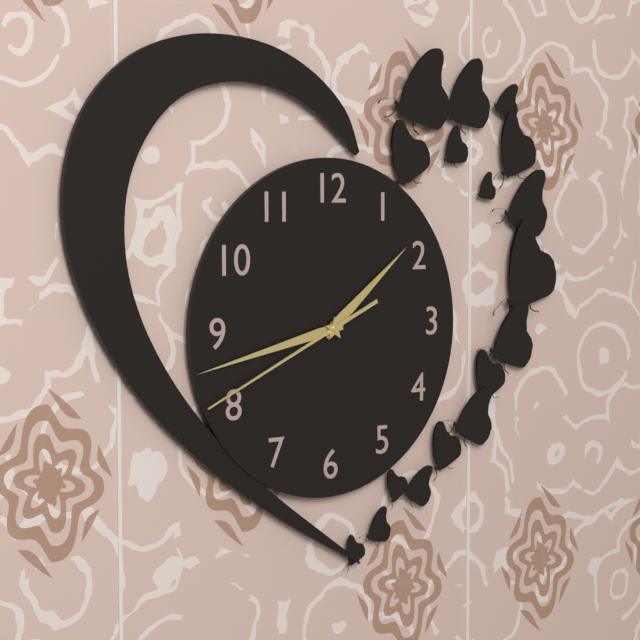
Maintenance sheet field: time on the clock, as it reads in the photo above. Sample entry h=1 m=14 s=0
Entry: h=1 m=43 s=41
